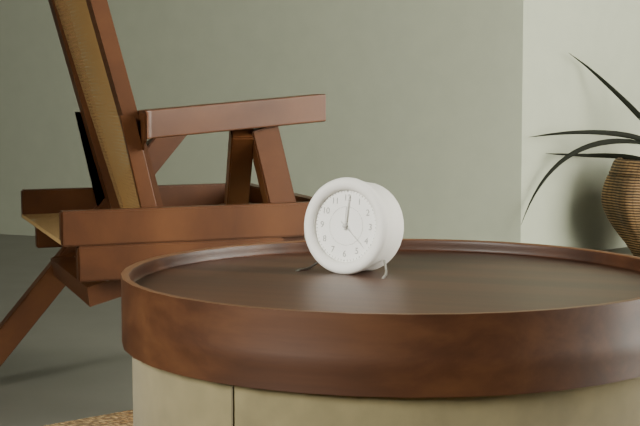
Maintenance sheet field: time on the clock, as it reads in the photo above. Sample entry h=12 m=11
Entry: h=12 m=1
